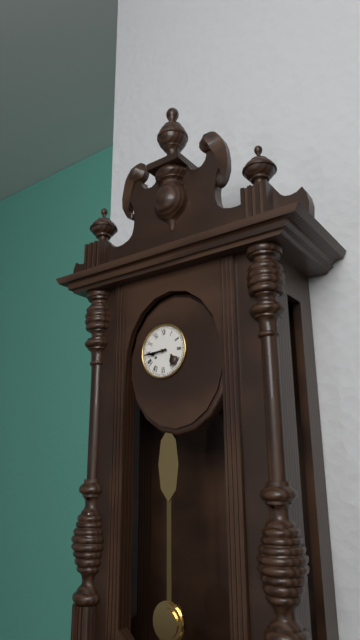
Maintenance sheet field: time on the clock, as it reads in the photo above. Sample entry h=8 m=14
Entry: h=8 m=44
